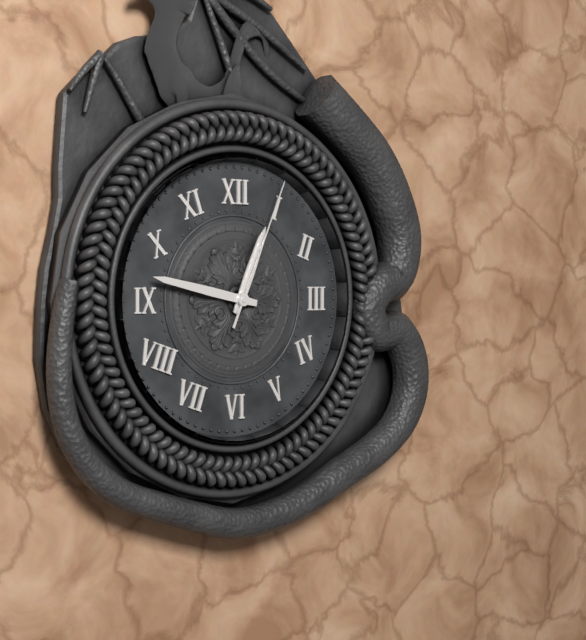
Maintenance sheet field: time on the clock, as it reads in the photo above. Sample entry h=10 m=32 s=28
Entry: h=12 m=47 s=4
